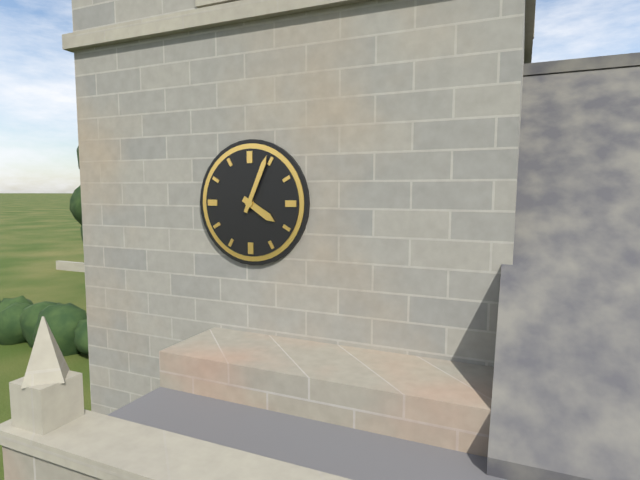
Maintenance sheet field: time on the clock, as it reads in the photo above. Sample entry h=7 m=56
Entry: h=4 m=4
